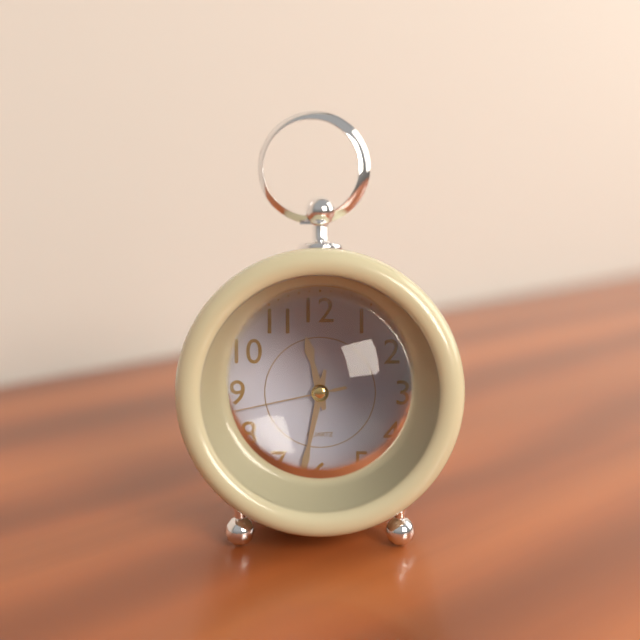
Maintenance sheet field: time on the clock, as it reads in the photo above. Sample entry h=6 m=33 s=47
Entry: h=11 m=32 s=43
